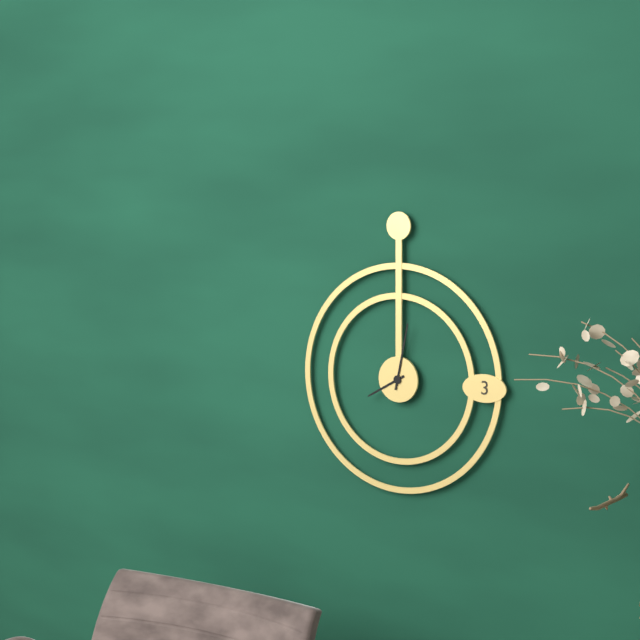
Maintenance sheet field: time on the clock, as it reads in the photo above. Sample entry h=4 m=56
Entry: h=8 m=2
